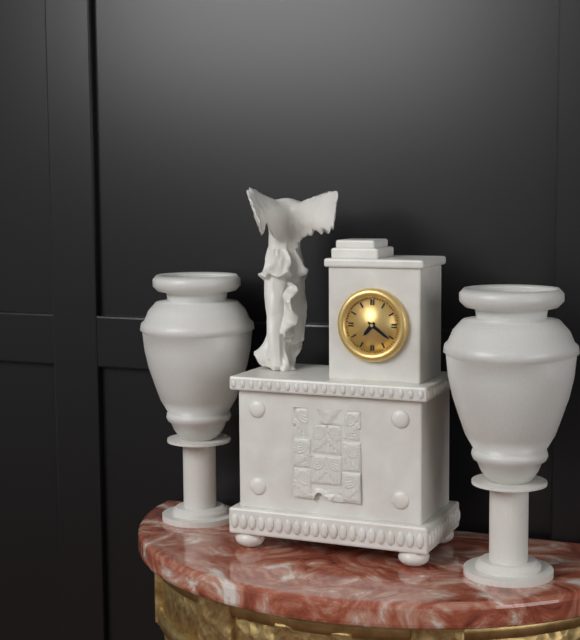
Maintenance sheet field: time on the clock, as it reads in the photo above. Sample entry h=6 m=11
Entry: h=7 m=21
